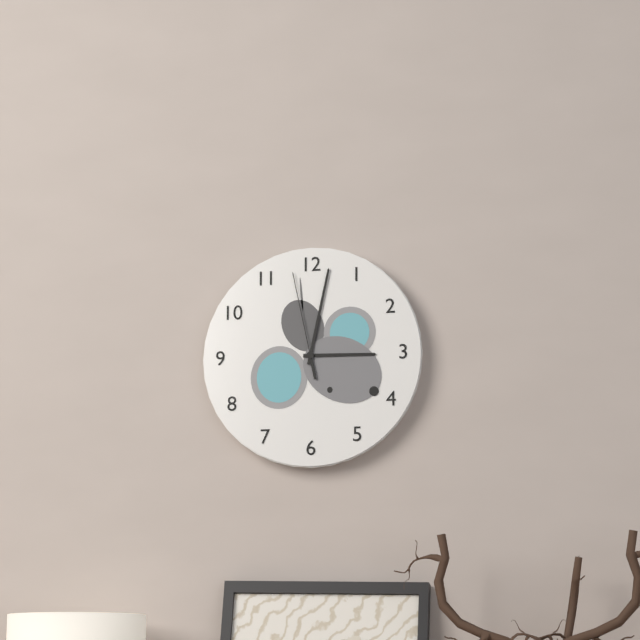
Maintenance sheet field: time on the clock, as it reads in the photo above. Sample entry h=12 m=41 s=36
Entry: h=3 m=2 s=58
